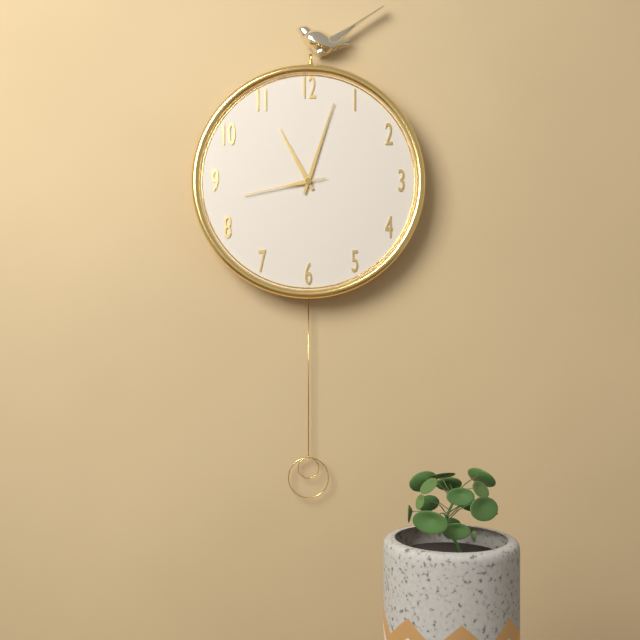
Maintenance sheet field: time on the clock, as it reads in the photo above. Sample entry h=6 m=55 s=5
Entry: h=11 m=3 s=43
